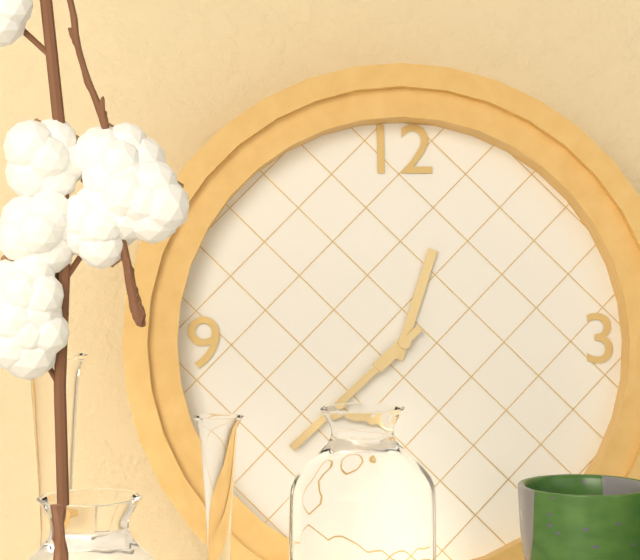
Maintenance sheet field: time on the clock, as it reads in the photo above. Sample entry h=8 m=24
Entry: h=12 m=38
